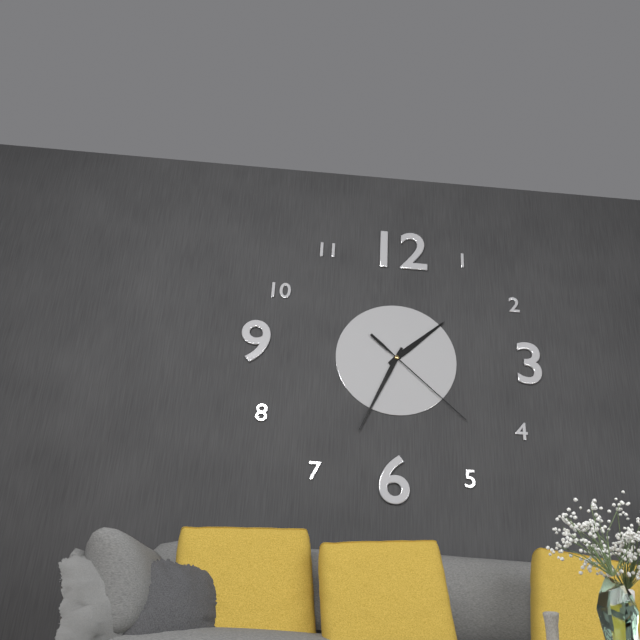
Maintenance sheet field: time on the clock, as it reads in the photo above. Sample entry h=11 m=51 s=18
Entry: h=1 m=34 s=22
